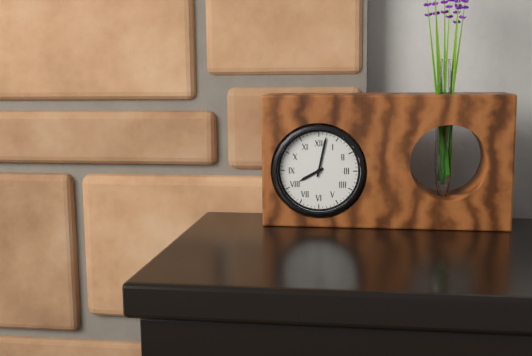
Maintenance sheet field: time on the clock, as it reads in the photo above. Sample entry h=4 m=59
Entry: h=8 m=2
